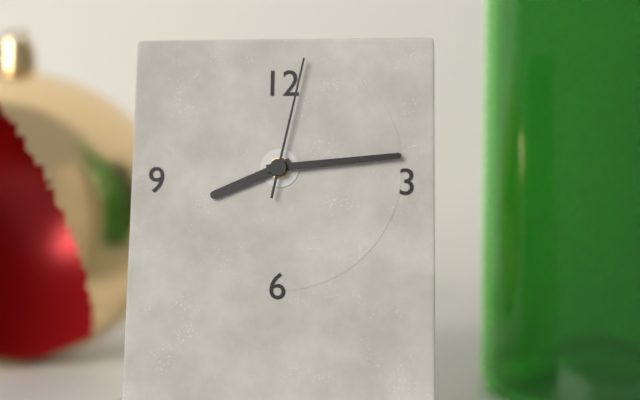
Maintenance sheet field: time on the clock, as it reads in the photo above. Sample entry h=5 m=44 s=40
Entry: h=8 m=14 s=2
